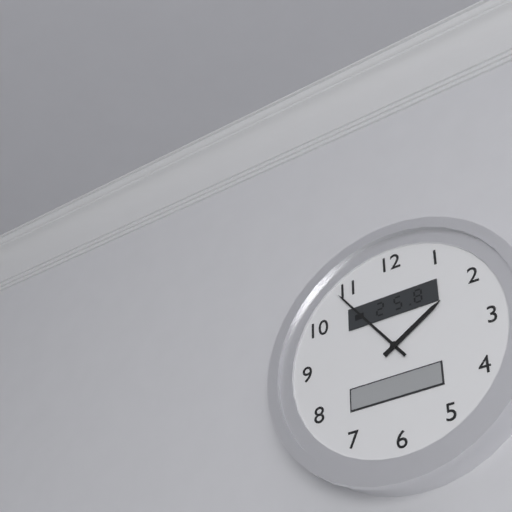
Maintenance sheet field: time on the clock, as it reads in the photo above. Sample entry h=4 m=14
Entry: h=1 m=54
